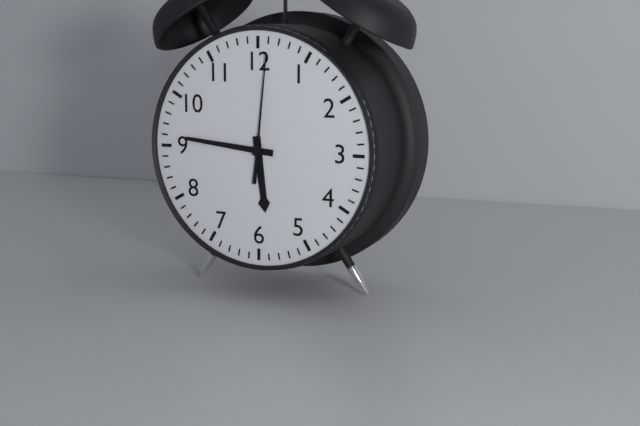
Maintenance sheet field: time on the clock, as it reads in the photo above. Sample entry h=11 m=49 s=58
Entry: h=5 m=46 s=1
